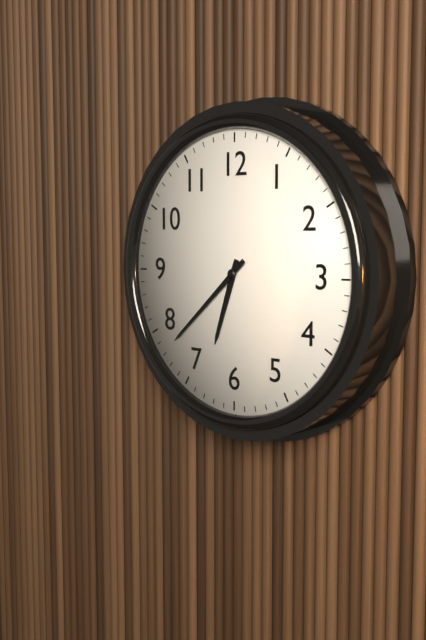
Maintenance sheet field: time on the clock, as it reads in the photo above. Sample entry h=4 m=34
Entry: h=6 m=38
